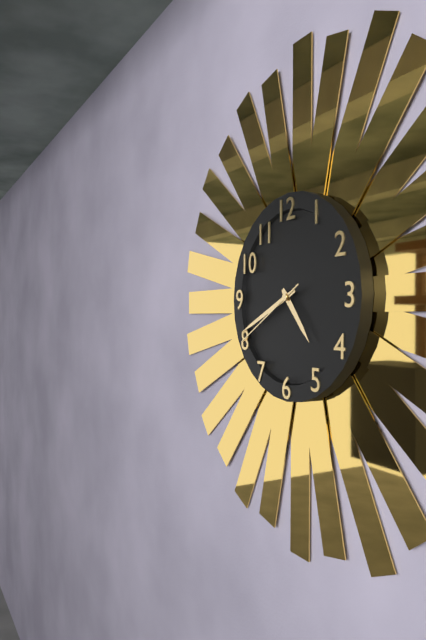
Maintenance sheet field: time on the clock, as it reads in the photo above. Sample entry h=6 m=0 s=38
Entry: h=4 m=41 s=40
